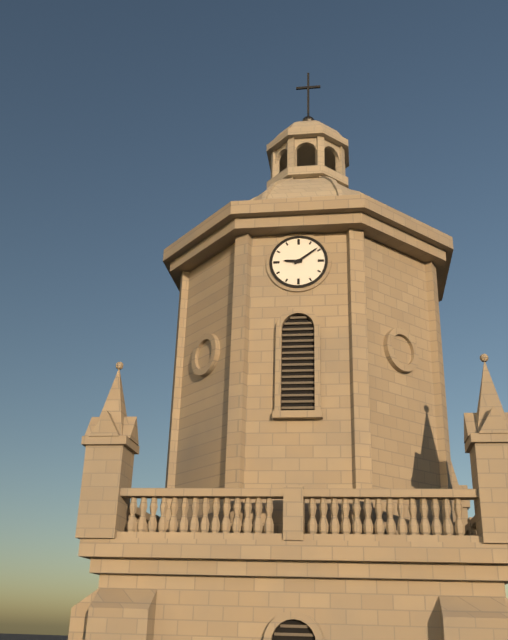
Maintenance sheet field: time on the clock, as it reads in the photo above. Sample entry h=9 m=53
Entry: h=9 m=9
